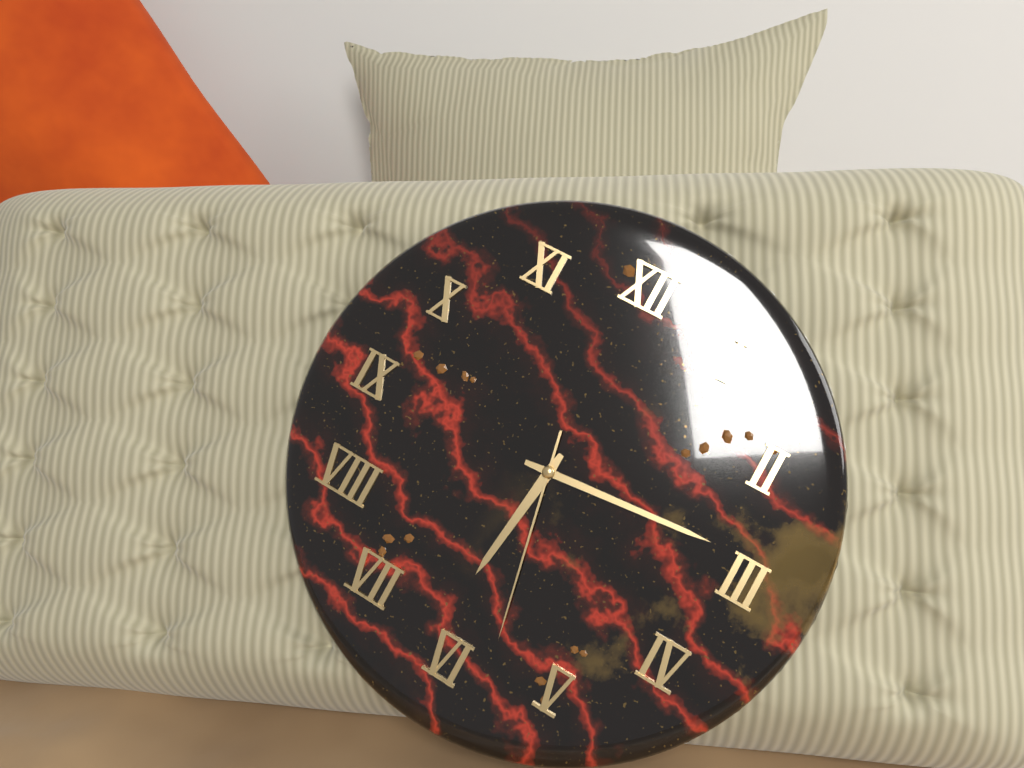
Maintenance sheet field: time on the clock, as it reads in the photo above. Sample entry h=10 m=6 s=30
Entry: h=6 m=14 s=28
